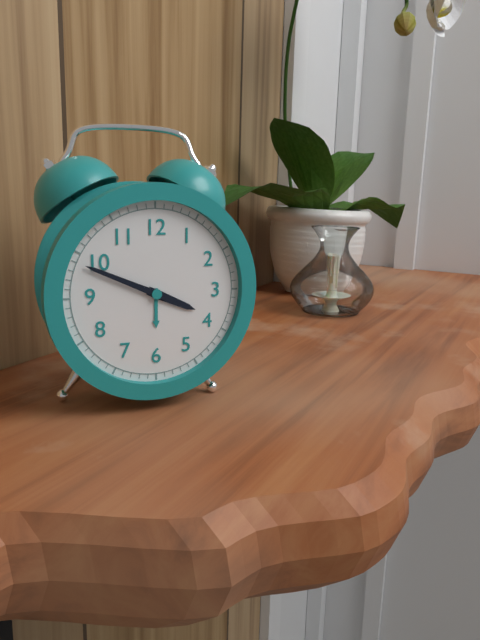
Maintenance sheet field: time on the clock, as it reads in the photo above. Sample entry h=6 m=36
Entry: h=3 m=49
